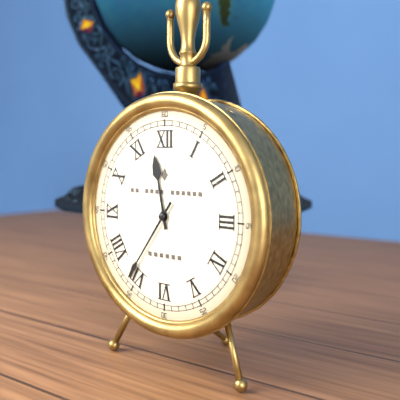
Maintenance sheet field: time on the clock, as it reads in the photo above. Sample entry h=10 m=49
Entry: h=11 m=36
